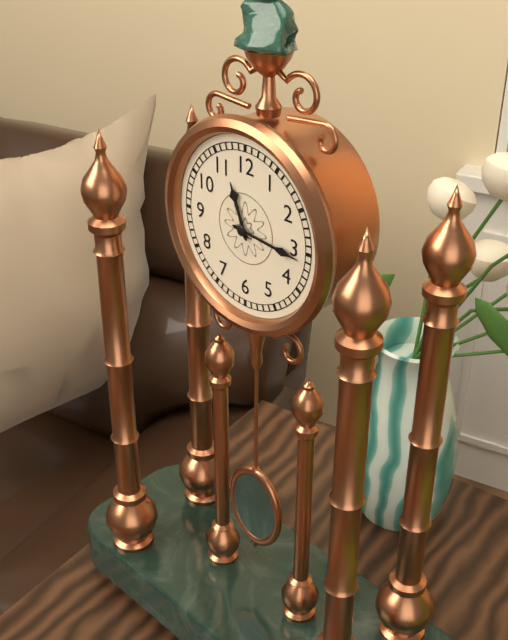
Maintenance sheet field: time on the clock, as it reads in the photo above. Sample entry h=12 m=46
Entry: h=11 m=16
